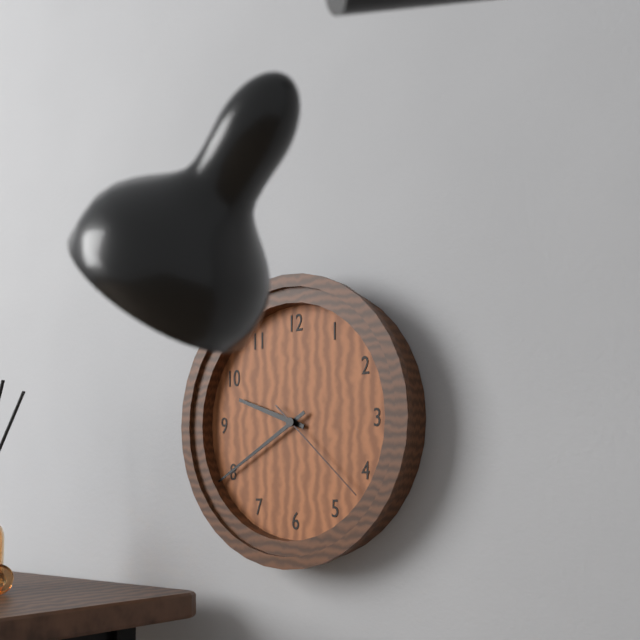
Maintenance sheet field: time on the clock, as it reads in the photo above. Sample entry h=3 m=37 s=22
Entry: h=9 m=40 s=22
